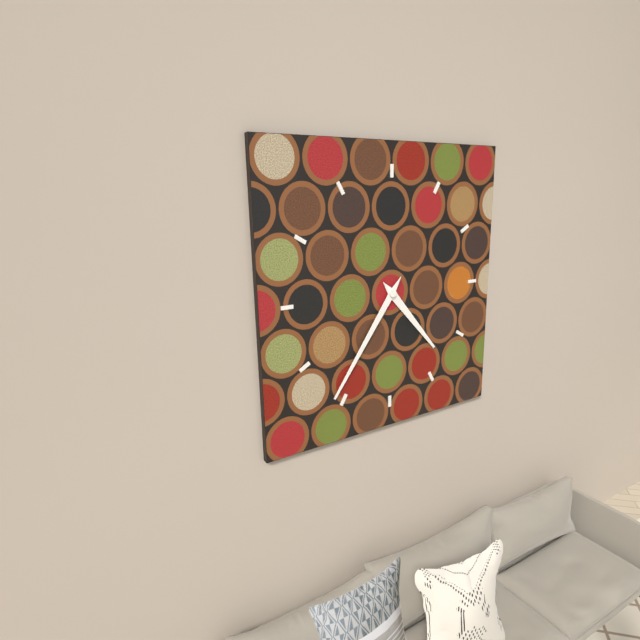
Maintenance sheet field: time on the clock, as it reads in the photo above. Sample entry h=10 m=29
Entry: h=4 m=36
